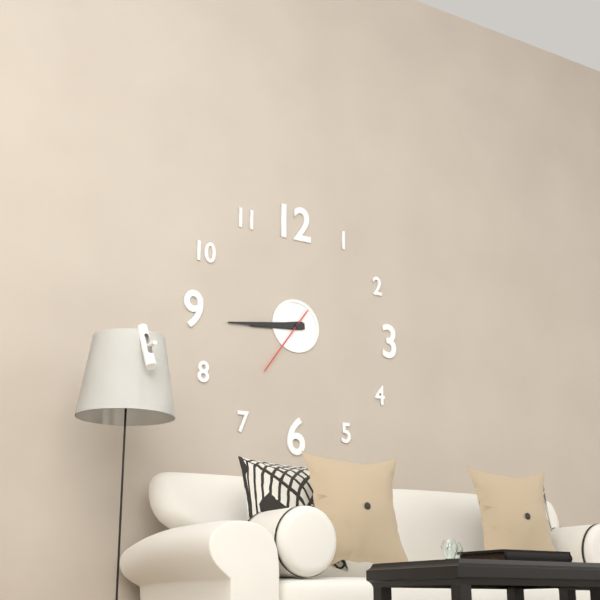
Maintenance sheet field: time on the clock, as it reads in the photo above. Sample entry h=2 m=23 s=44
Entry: h=8 m=44 s=36
